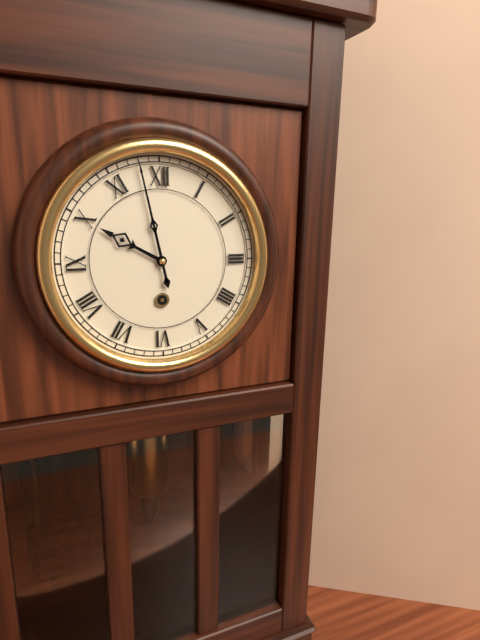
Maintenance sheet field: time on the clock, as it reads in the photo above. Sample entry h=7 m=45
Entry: h=9 m=58
